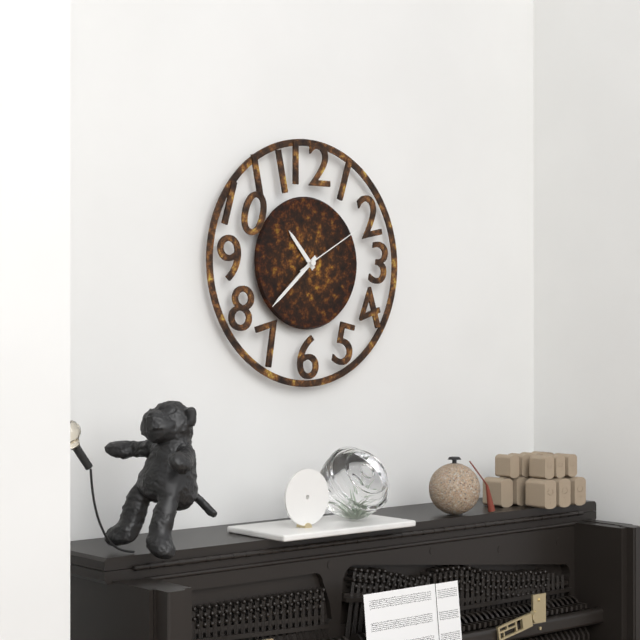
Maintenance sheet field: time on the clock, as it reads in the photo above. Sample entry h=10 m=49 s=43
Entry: h=10 m=38 s=10
